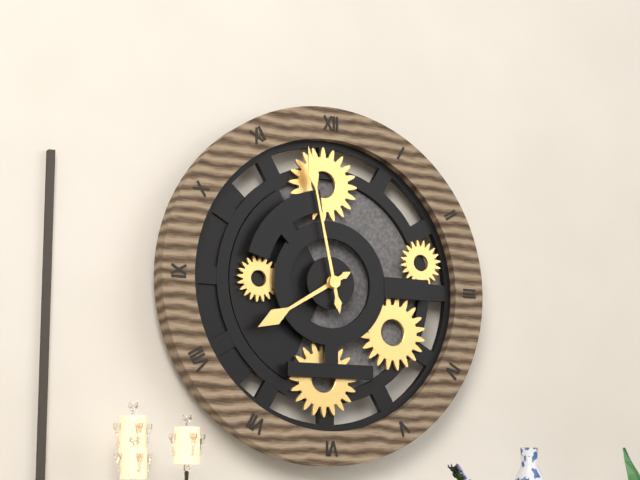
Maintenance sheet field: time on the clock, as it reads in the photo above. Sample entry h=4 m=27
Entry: h=7 m=58
